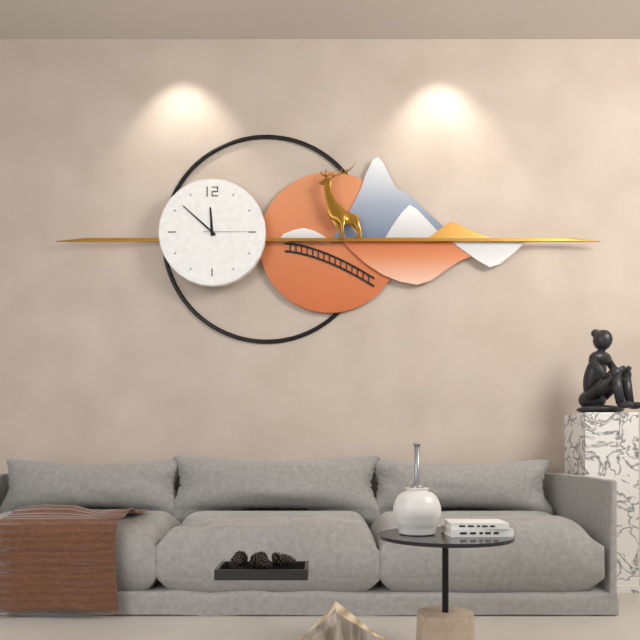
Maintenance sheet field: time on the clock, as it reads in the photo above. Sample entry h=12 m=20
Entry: h=11 m=52
